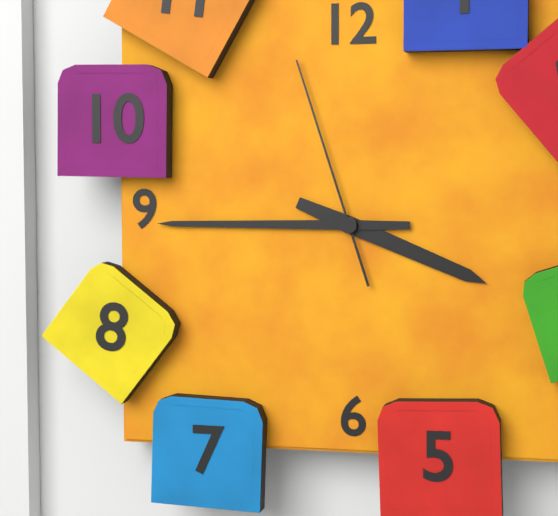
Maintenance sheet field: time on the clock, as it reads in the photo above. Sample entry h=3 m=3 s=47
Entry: h=3 m=45 s=57
